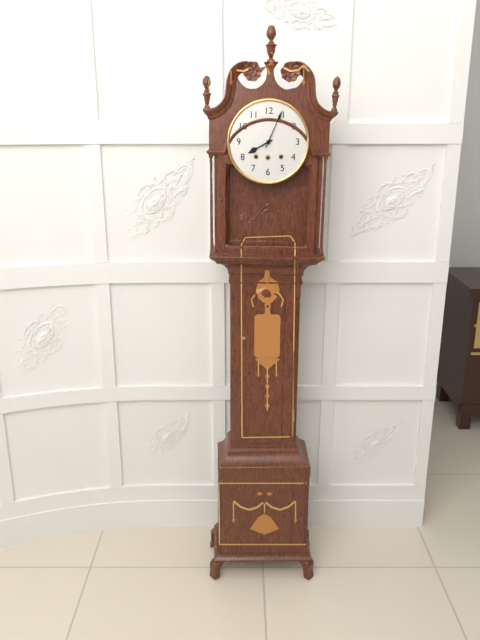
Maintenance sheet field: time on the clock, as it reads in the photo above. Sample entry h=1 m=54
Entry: h=8 m=4
